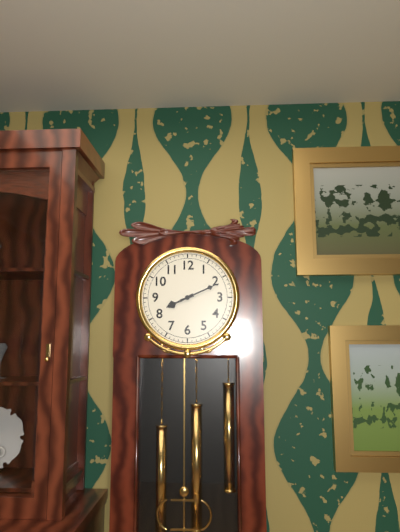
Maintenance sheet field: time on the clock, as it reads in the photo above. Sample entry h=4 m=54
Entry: h=8 m=11
